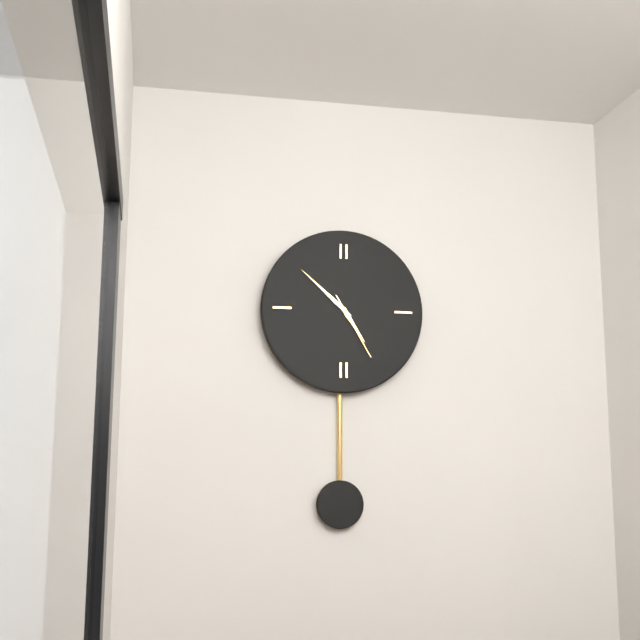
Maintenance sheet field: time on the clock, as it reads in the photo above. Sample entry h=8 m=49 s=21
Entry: h=4 m=52 s=25
